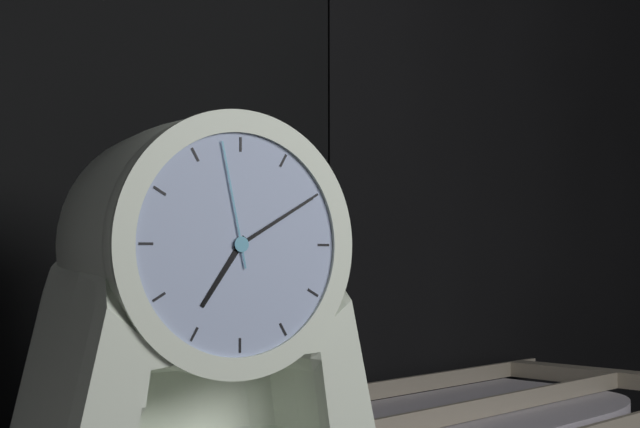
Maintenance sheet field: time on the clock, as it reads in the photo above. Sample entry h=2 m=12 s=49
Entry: h=7 m=10 s=58
